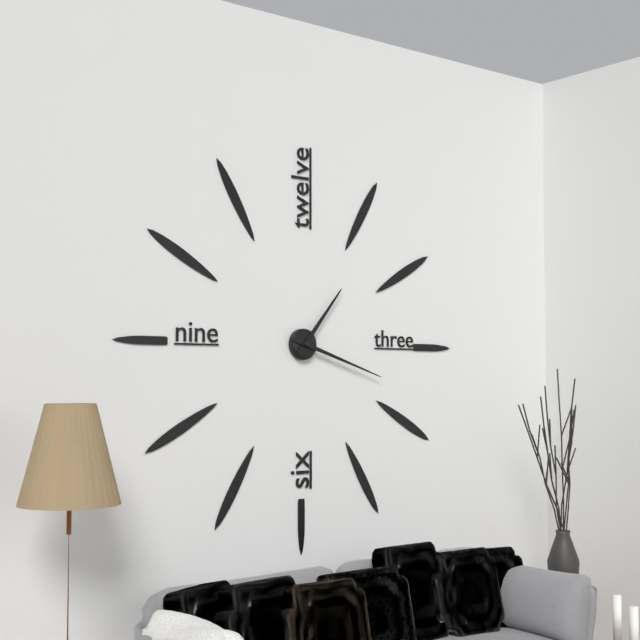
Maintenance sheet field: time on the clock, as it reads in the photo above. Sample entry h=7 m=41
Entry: h=1 m=18
